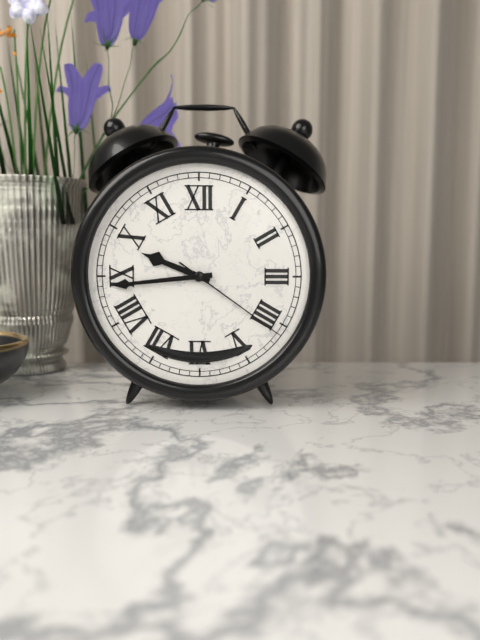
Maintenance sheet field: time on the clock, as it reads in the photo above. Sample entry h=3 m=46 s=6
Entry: h=9 m=44 s=21
